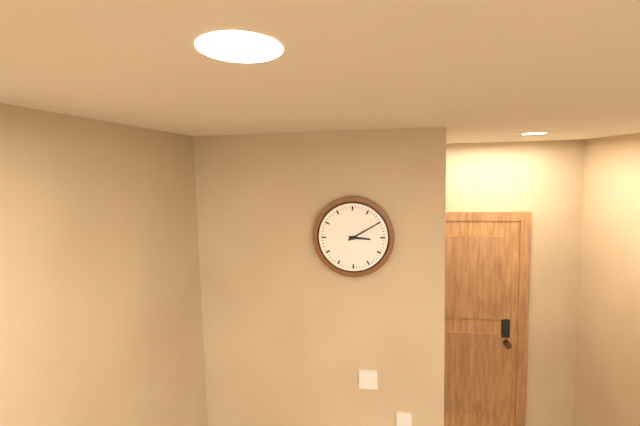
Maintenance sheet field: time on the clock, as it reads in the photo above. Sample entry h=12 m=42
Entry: h=3 m=10
